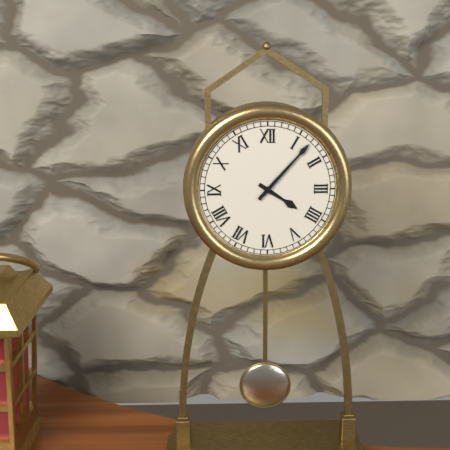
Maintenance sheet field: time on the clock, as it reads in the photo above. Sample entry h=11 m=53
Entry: h=4 m=7
